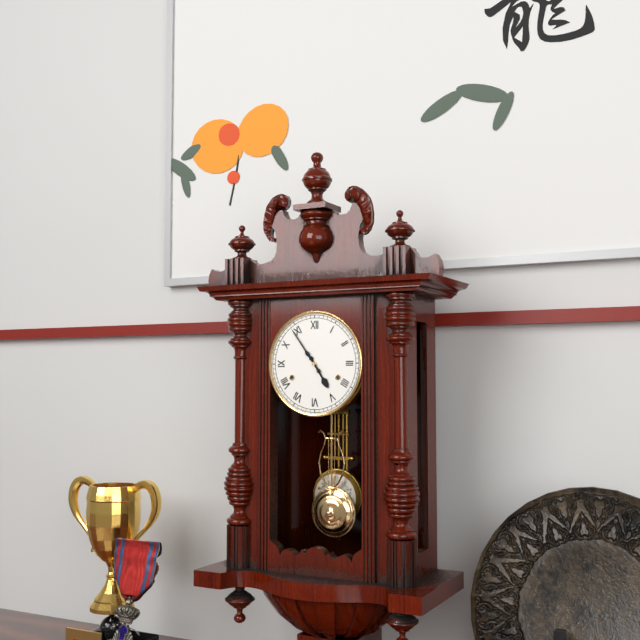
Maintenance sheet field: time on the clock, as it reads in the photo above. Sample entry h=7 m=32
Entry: h=4 m=54
